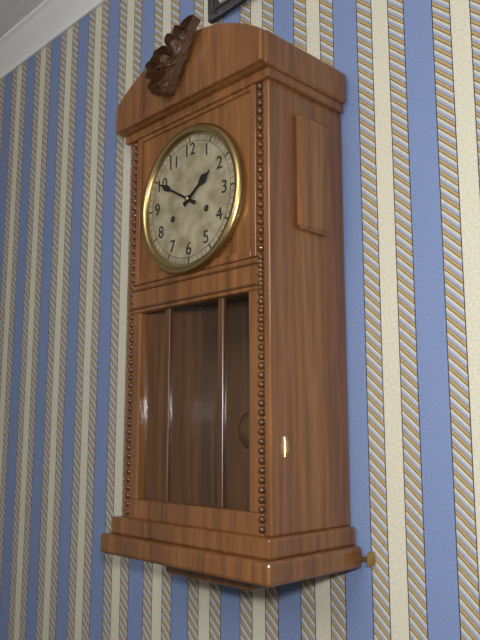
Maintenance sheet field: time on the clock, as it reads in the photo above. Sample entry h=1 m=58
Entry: h=1 m=50
